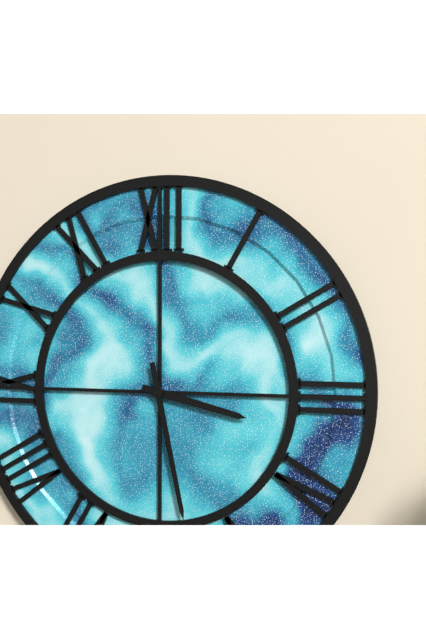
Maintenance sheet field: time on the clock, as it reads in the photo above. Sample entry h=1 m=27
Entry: h=3 m=28
